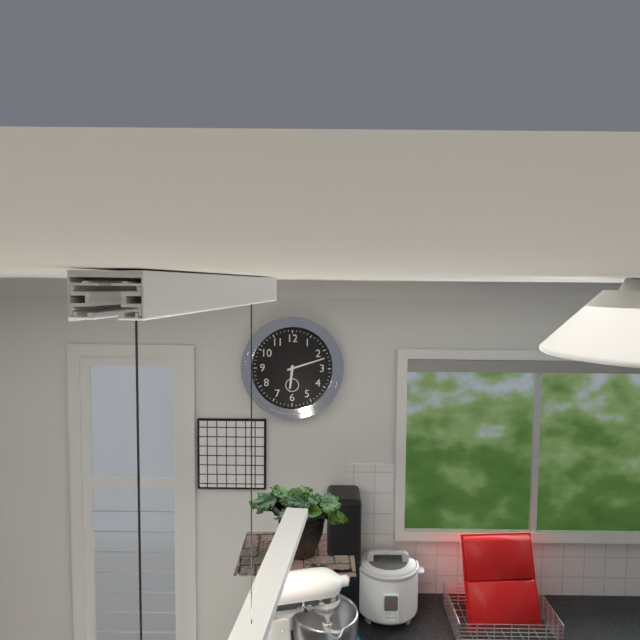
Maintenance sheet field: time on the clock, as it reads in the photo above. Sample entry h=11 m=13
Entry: h=6 m=12
